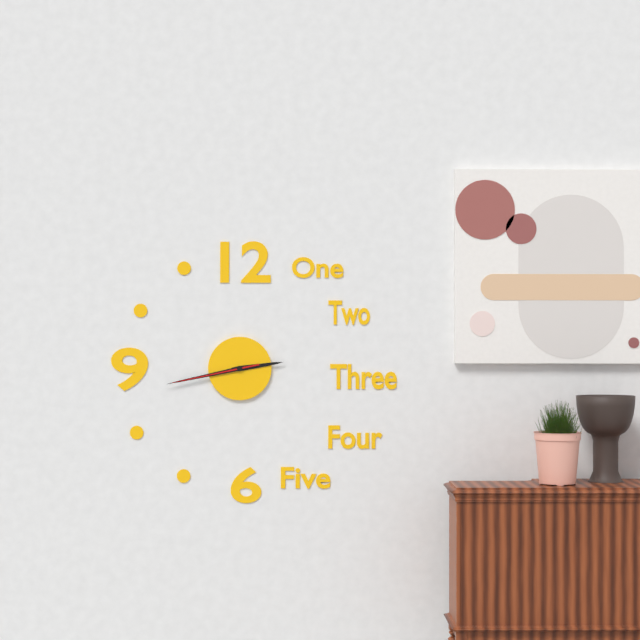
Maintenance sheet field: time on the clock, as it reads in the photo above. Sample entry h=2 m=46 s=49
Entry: h=2 m=43 s=43
